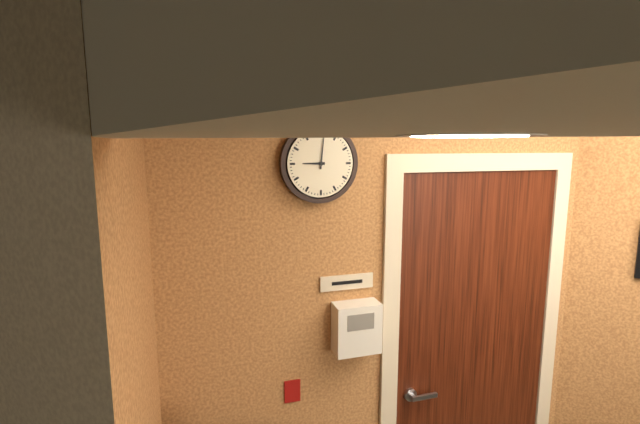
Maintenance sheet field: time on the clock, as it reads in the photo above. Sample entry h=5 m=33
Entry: h=9 m=1
